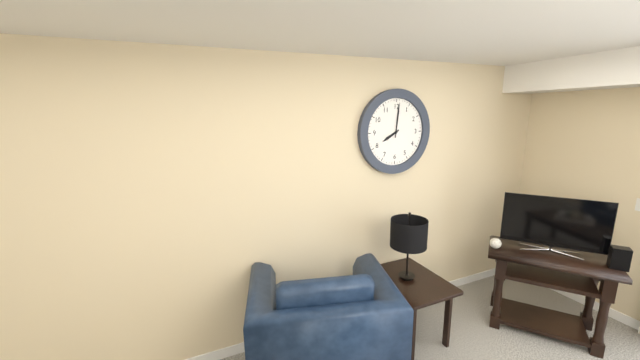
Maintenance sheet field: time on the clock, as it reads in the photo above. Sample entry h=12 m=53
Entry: h=8 m=1
